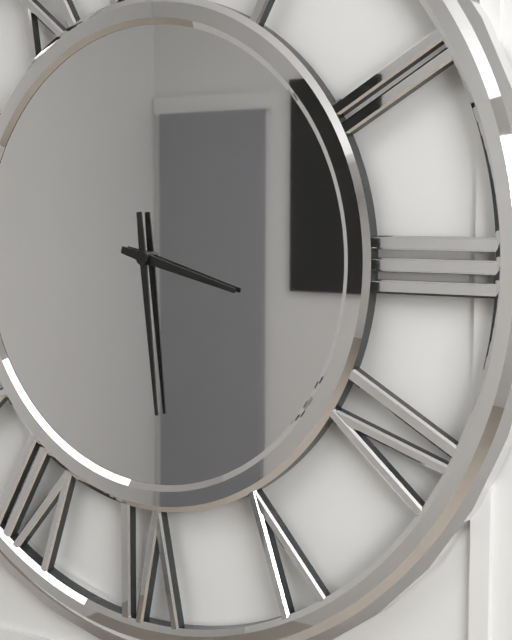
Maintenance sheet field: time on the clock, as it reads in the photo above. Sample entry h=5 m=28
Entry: h=3 m=29
